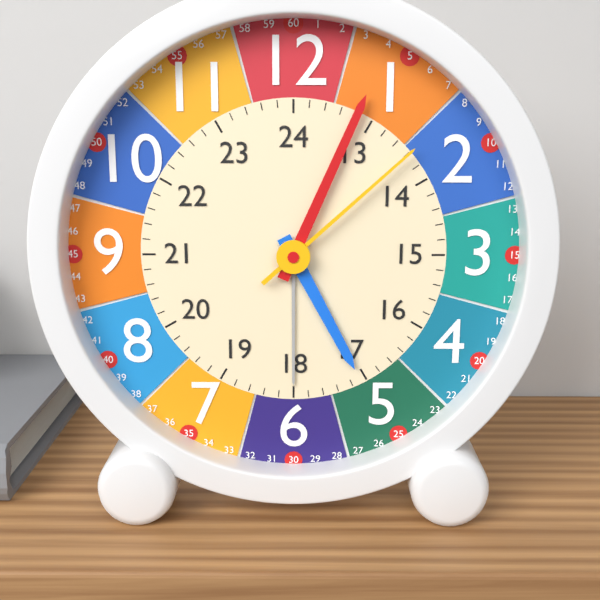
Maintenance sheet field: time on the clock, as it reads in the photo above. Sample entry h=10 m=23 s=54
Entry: h=5 m=4 s=8
